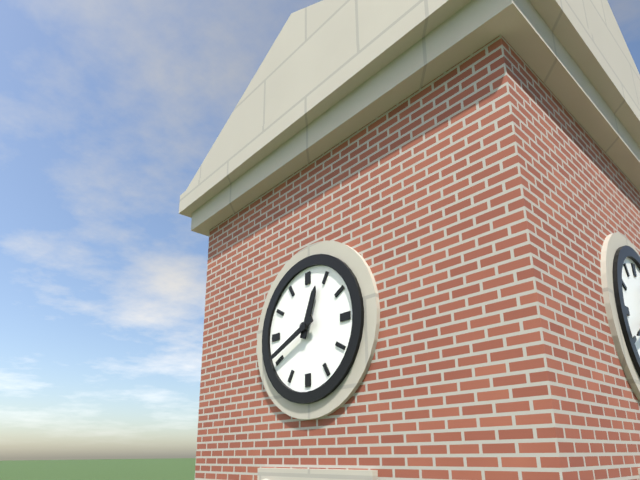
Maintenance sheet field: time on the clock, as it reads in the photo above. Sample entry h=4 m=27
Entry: h=12 m=41
